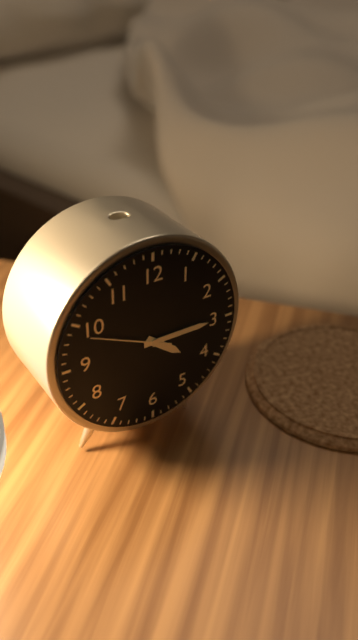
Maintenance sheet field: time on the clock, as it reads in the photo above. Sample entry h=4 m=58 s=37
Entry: h=4 m=15 s=49
